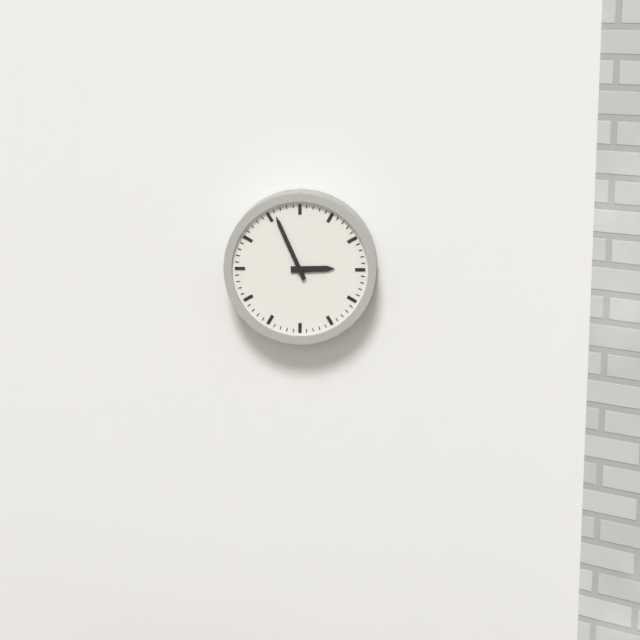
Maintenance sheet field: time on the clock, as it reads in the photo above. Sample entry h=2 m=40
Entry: h=2 m=56
